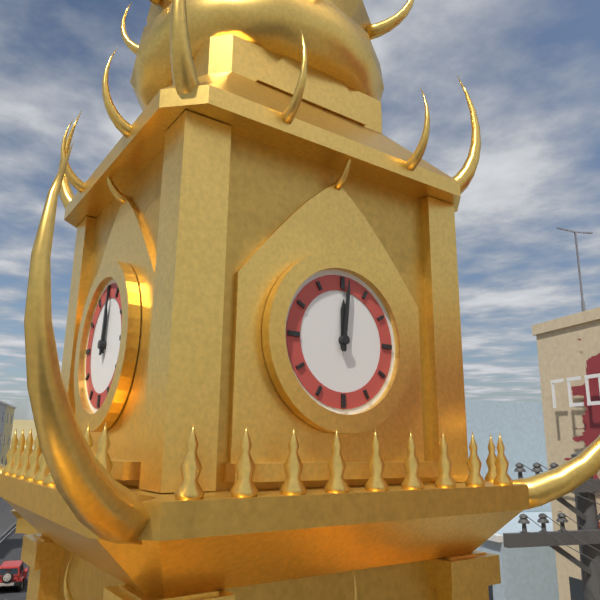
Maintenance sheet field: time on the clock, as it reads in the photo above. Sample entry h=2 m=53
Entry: h=12 m=1
